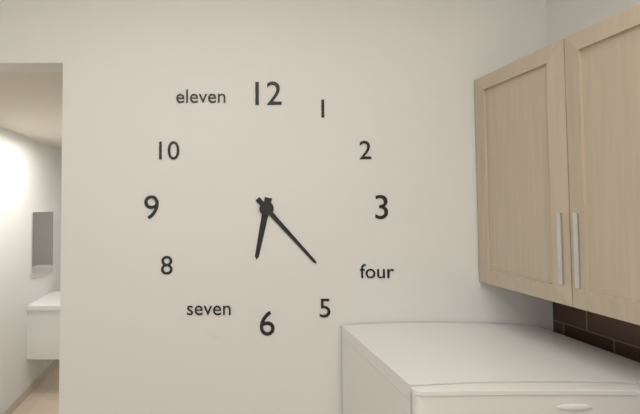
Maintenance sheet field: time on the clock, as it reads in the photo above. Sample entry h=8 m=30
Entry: h=6 m=23
